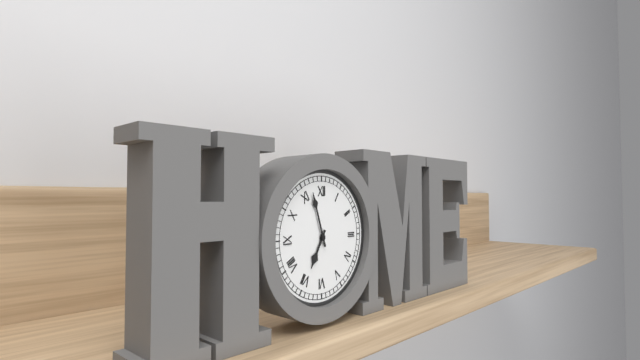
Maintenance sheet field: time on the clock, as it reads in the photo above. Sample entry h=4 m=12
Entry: h=6 m=57
